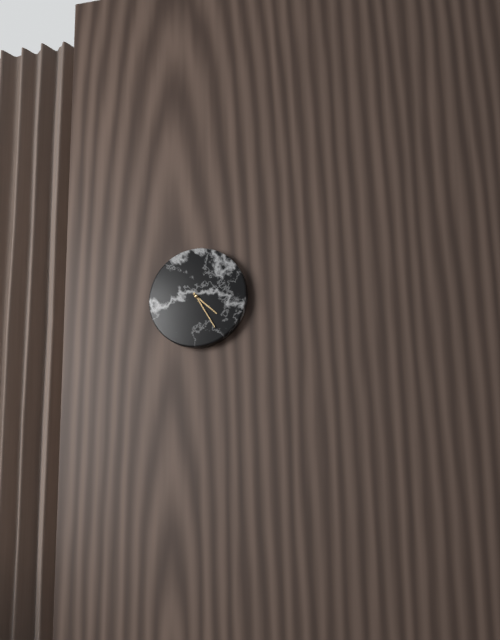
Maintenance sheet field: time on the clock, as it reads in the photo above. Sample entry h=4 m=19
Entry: h=4 m=25
